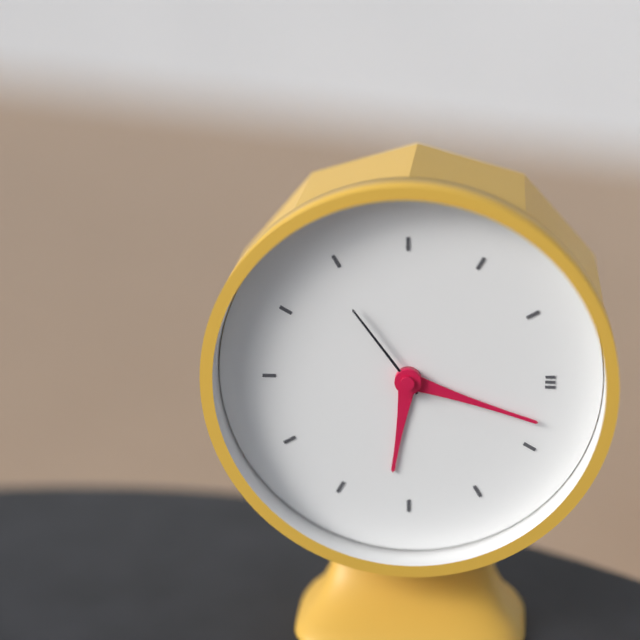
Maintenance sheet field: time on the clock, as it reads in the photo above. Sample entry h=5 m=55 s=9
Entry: h=6 m=18 s=54
